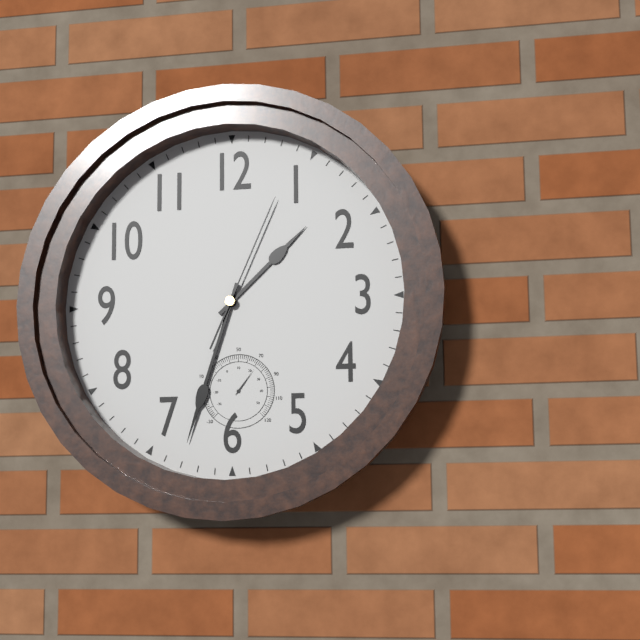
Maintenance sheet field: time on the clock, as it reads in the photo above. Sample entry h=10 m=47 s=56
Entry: h=1 m=33 s=4
